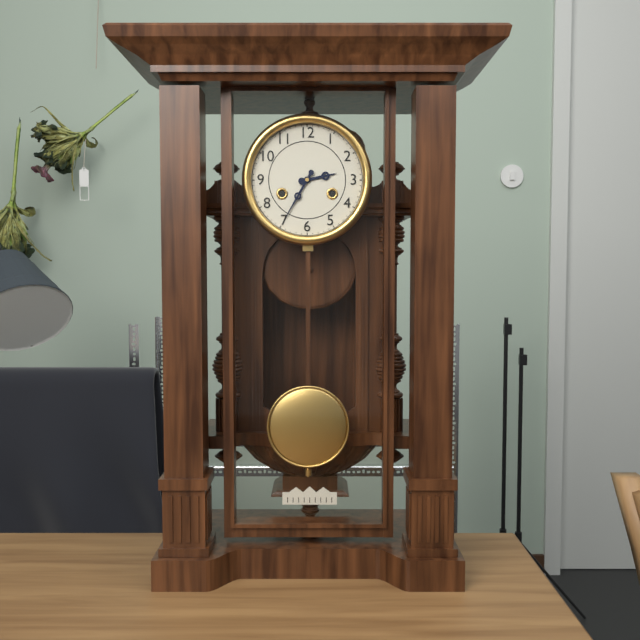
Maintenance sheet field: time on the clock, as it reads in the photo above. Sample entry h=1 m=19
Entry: h=2 m=35
